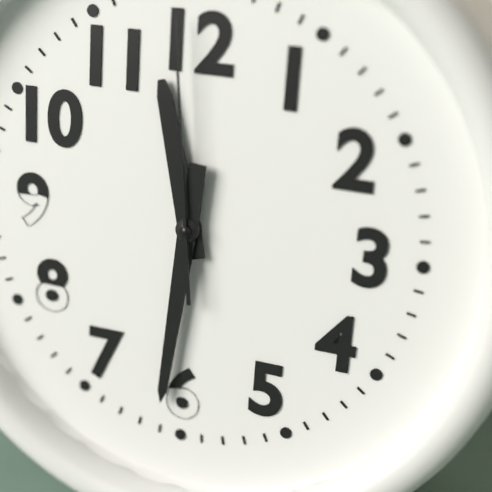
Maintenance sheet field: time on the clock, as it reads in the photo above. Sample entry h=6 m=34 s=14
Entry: h=11 m=31 s=59
